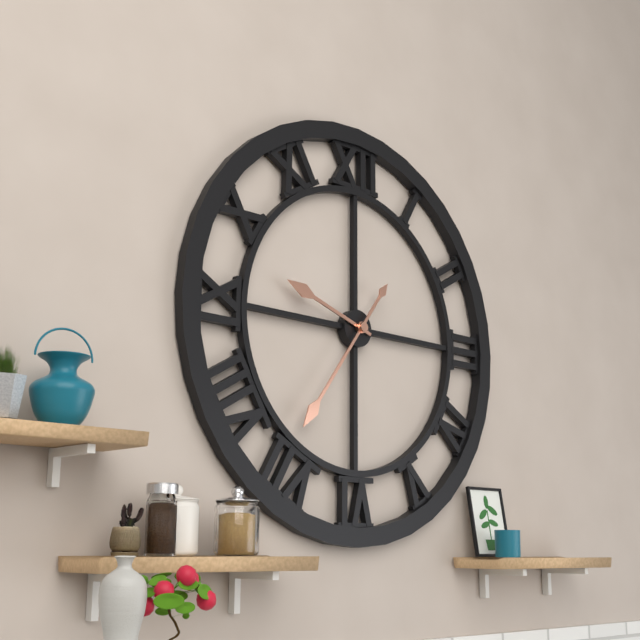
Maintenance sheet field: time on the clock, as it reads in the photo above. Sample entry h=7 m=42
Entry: h=9 m=36
